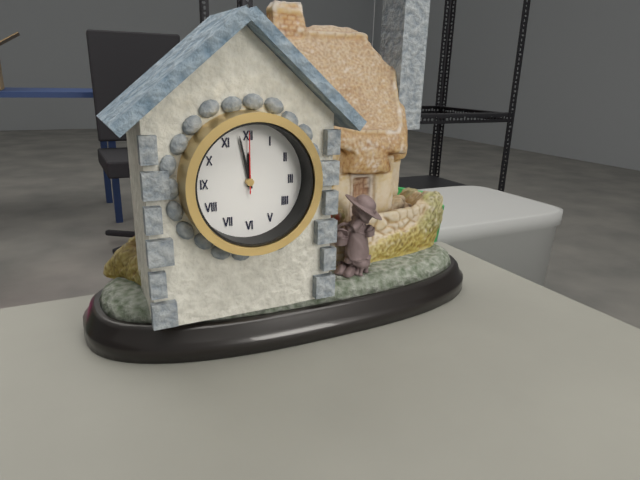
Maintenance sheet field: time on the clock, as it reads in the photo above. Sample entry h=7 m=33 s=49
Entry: h=11 m=58 s=0
